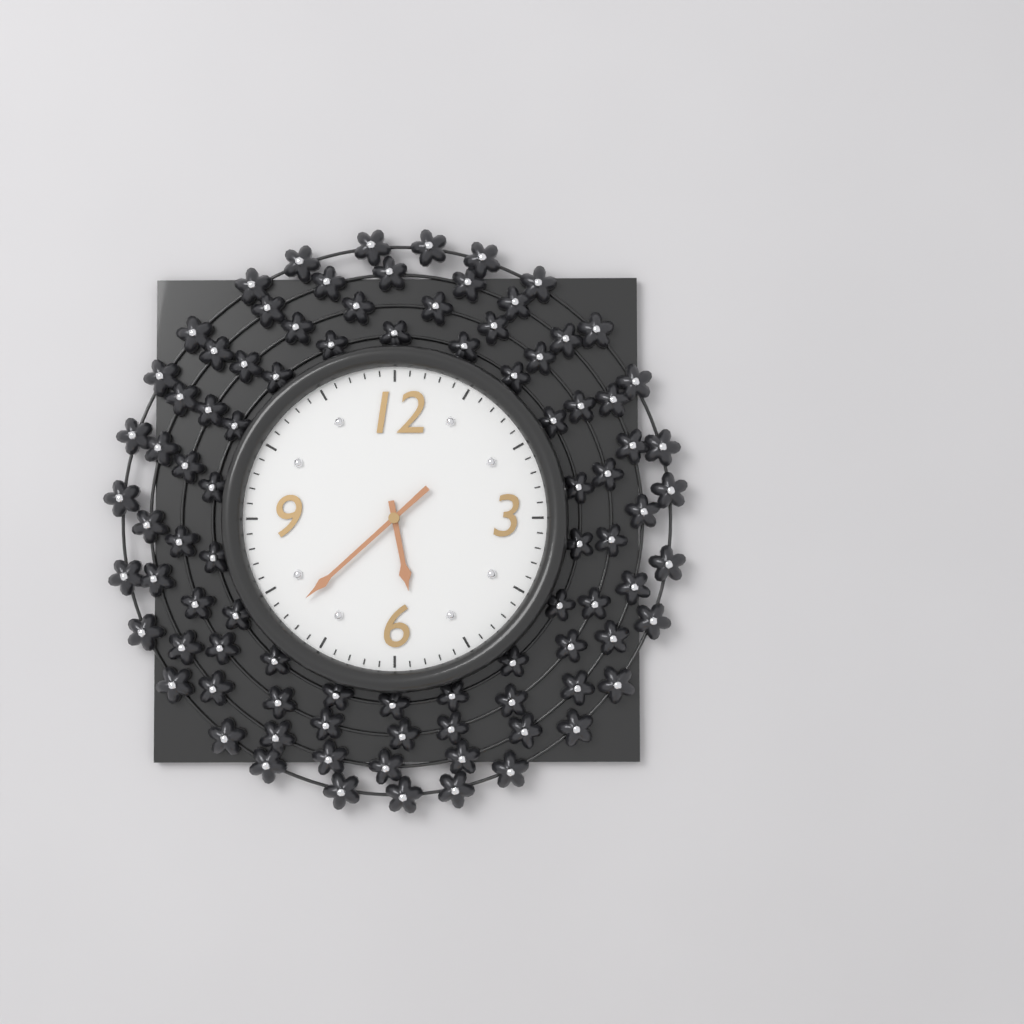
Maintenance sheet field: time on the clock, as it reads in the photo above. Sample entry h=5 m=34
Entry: h=5 m=38
